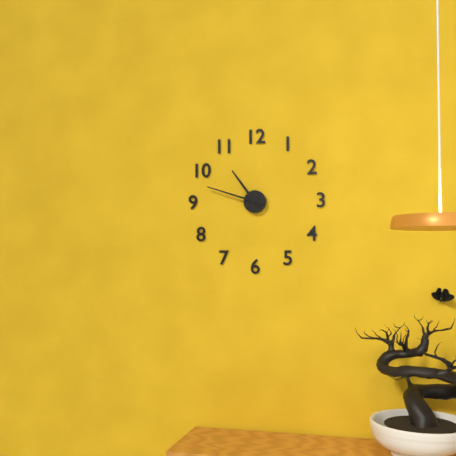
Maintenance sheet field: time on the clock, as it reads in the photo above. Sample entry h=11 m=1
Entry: h=10 m=48
